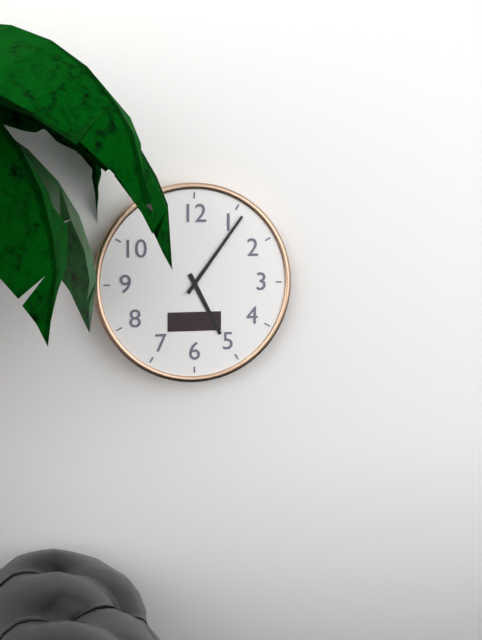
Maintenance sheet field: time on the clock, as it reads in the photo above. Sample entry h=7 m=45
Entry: h=5 m=6
